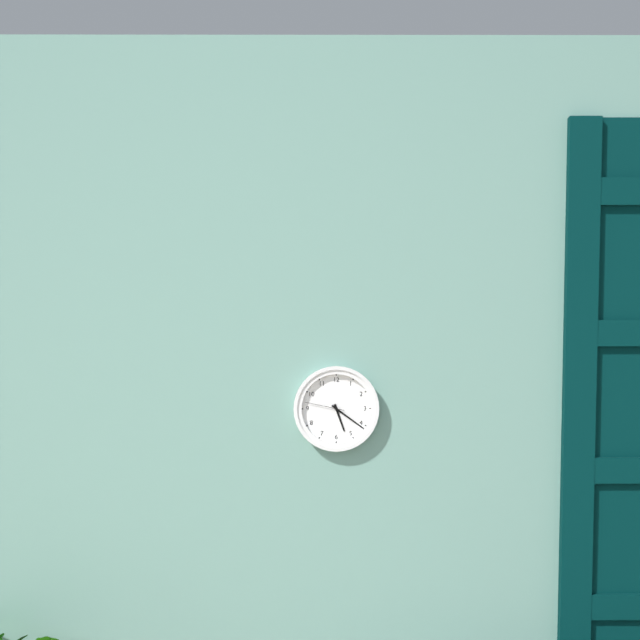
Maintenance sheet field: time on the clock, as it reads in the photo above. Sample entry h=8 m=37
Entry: h=5 m=21
